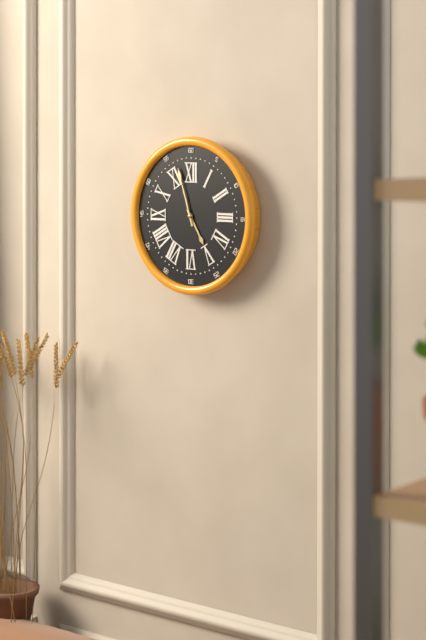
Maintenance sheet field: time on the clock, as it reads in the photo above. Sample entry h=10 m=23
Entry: h=4 m=57
